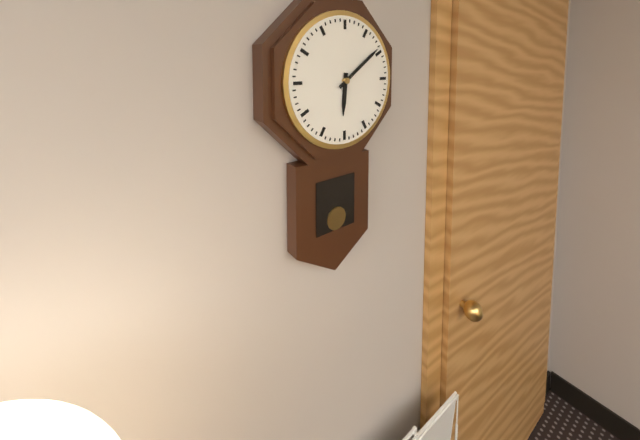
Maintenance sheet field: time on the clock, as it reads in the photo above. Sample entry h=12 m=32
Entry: h=6 m=9
